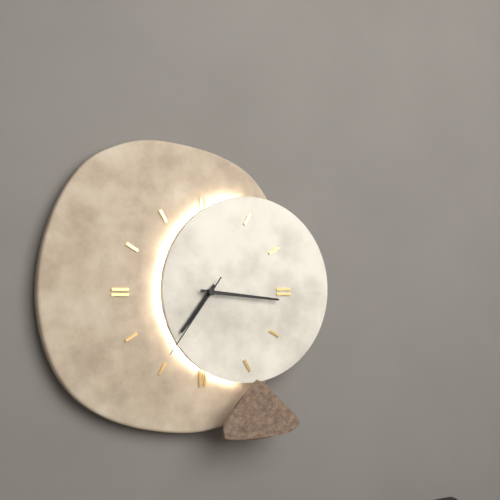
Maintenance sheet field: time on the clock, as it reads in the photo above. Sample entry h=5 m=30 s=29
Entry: h=7 m=16 s=36
